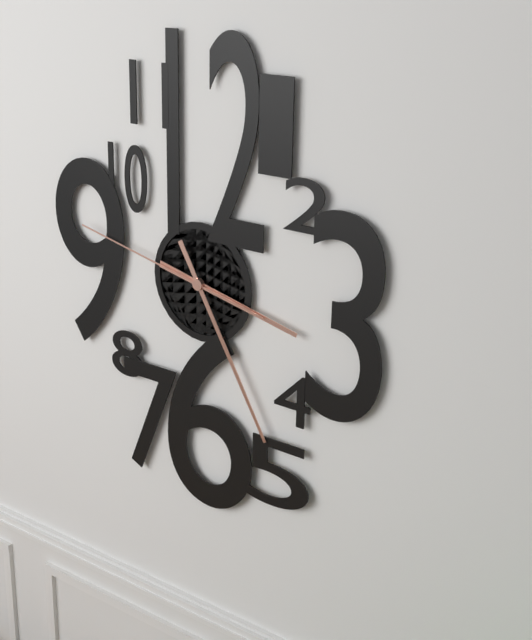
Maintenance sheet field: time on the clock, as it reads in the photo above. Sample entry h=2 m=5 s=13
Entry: h=3 m=25 s=47
